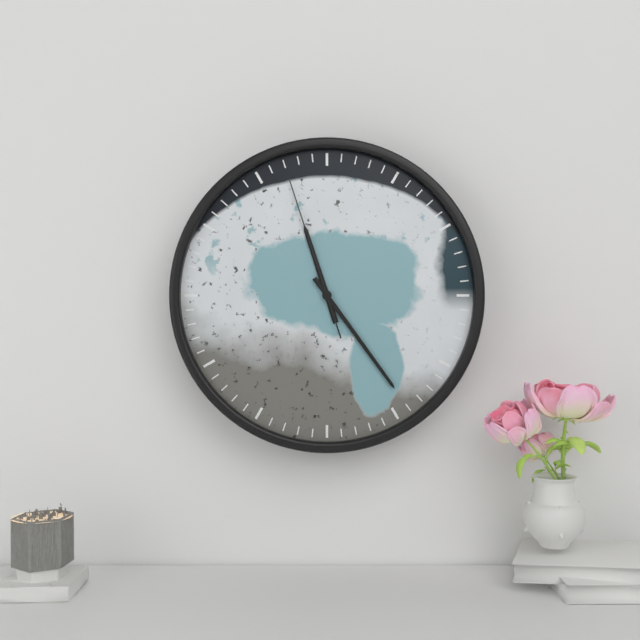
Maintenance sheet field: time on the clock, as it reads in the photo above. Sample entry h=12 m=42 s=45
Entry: h=11 m=24 s=57
